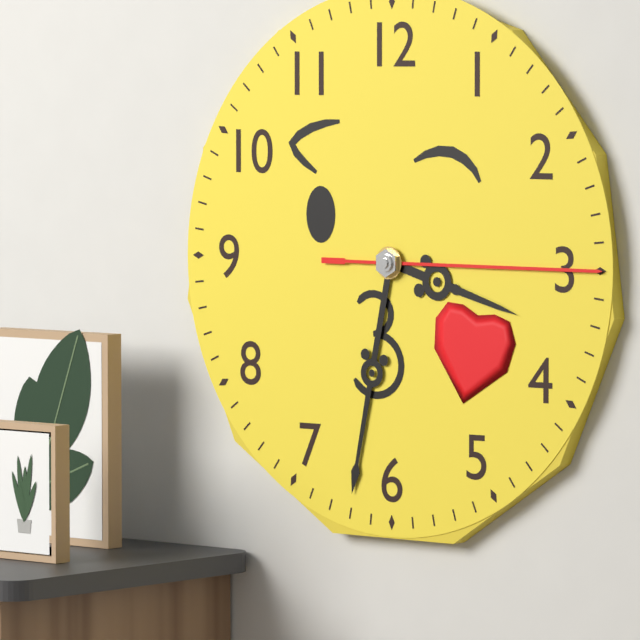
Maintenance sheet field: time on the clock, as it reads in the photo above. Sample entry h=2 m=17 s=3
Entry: h=3 m=32 s=15
